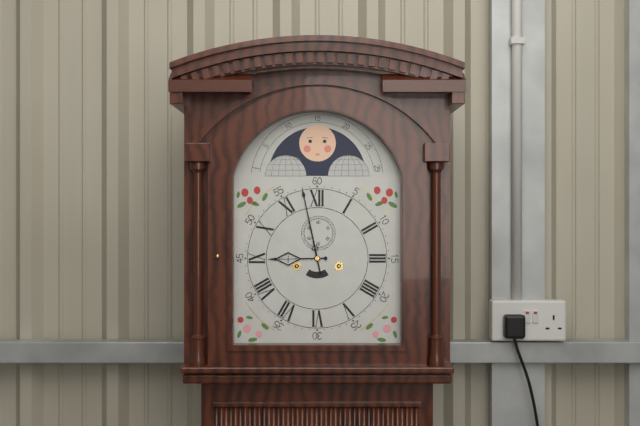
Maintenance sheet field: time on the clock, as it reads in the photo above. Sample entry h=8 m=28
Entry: h=8 m=58
